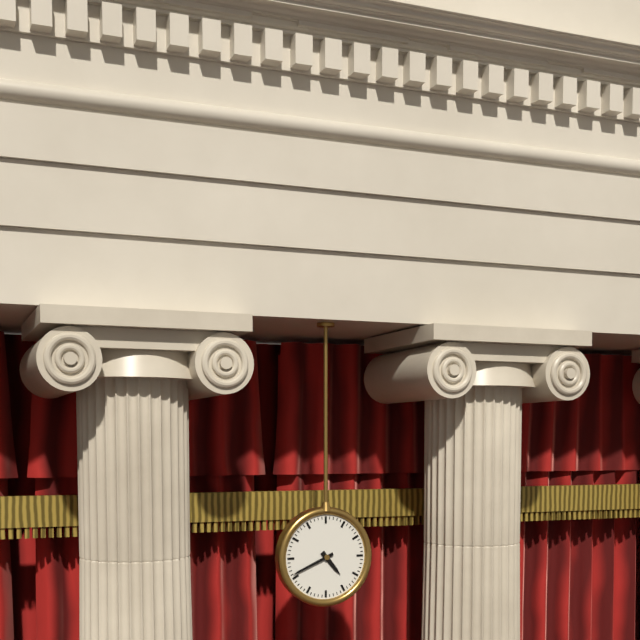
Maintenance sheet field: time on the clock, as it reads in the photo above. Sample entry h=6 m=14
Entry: h=4 m=41
